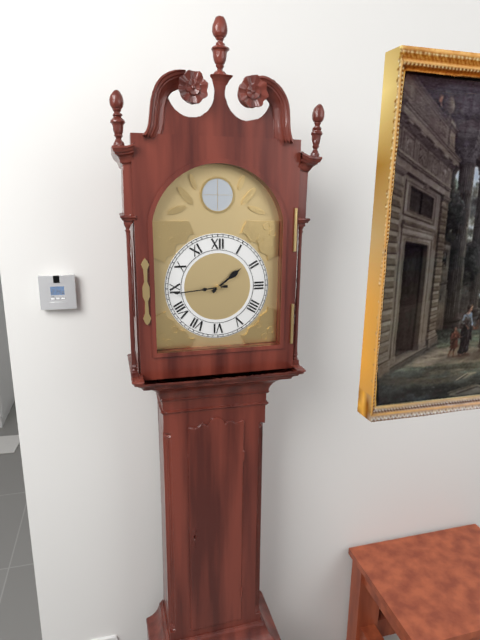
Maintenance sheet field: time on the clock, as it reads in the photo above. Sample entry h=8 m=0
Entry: h=1 m=44
